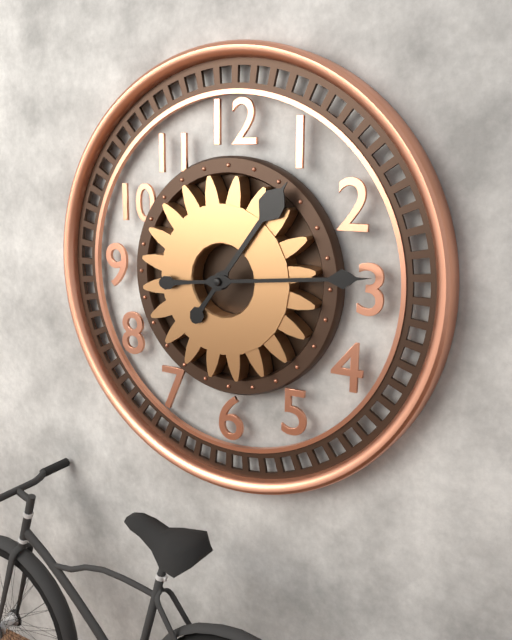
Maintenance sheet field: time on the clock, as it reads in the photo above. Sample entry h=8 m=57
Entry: h=1 m=14
